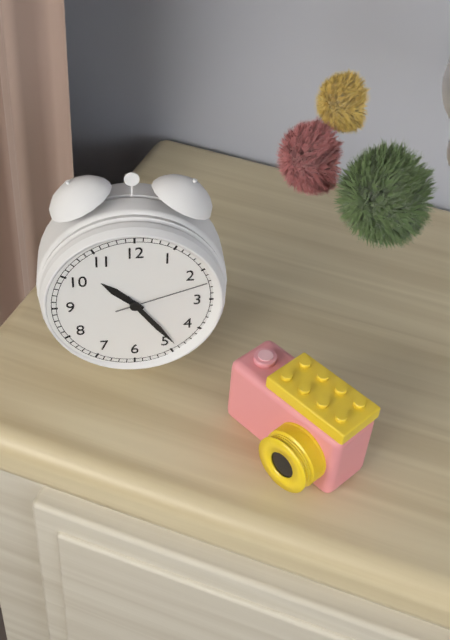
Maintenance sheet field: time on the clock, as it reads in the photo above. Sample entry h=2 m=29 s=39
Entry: h=10 m=24 s=12
